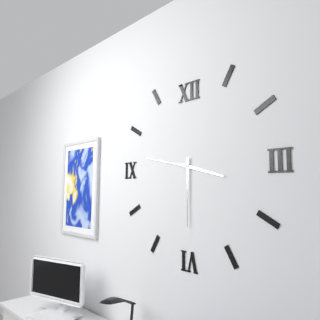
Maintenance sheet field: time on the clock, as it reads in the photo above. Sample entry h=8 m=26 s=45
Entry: h=3 m=30 s=47
